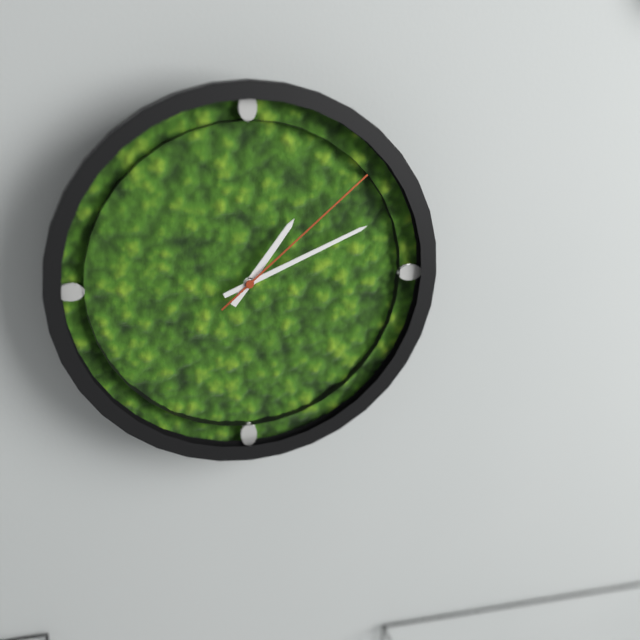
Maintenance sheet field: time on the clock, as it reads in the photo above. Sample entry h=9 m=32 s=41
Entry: h=1 m=11 s=8
